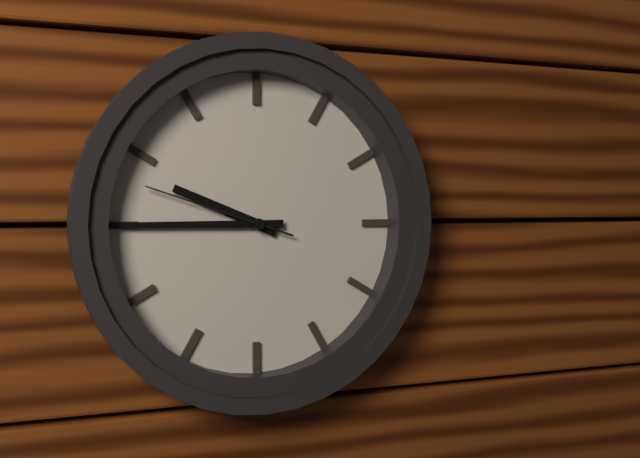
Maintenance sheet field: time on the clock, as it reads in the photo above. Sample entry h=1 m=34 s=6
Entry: h=9 m=45 s=48
